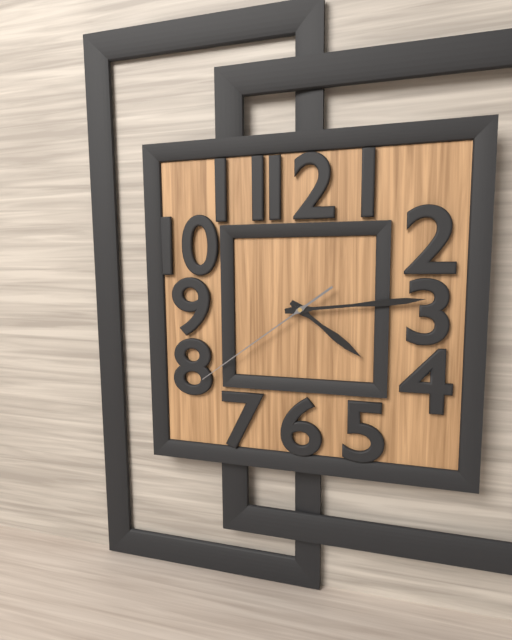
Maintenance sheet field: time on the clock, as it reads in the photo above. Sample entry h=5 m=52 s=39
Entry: h=4 m=14 s=39
